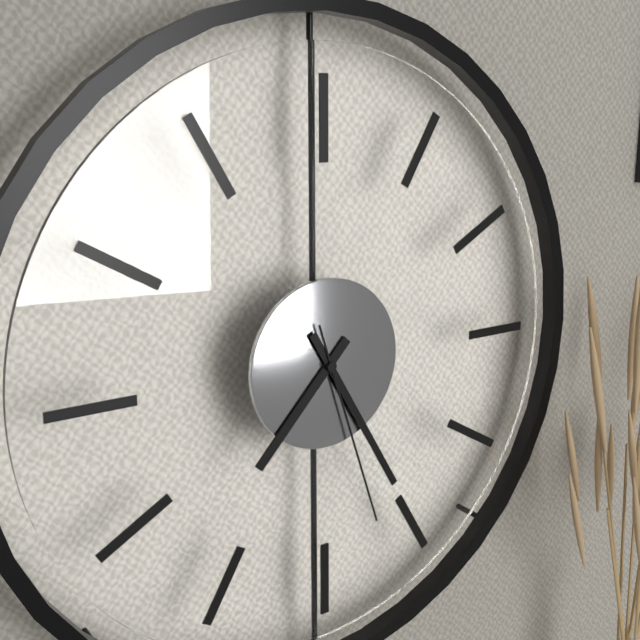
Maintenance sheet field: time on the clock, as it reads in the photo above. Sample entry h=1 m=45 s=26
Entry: h=7 m=25 s=27
